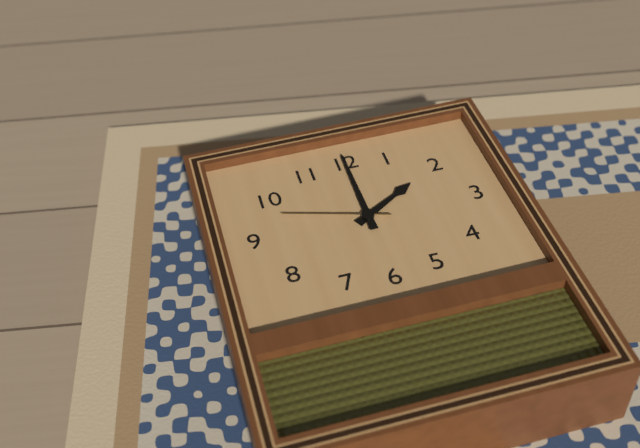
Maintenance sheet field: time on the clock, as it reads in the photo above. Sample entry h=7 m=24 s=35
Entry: h=2 m=0 s=48
